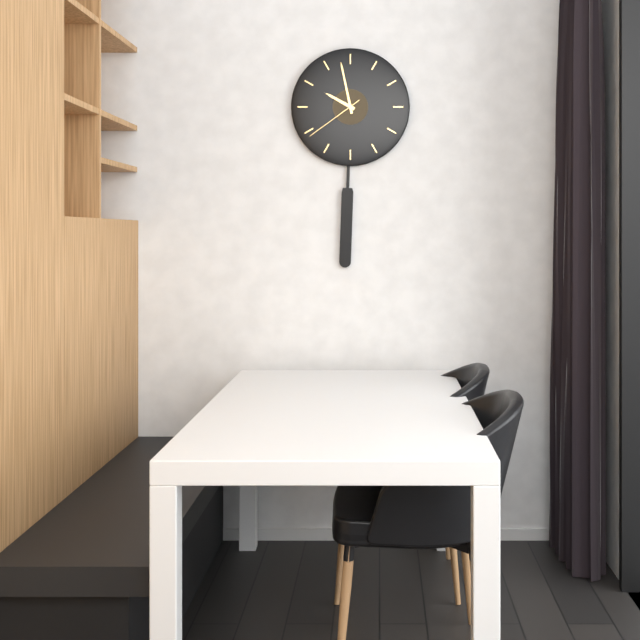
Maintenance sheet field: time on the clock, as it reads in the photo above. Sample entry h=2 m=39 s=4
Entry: h=9 m=58 s=39
